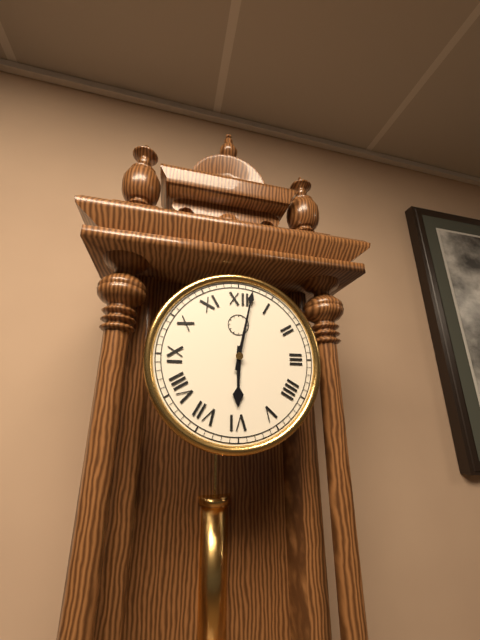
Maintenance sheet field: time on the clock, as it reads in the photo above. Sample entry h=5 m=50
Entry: h=6 m=2
